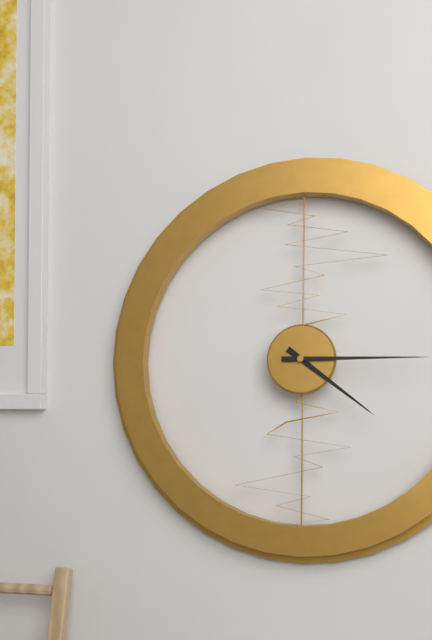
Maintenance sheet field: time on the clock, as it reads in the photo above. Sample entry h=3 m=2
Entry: h=4 m=15
